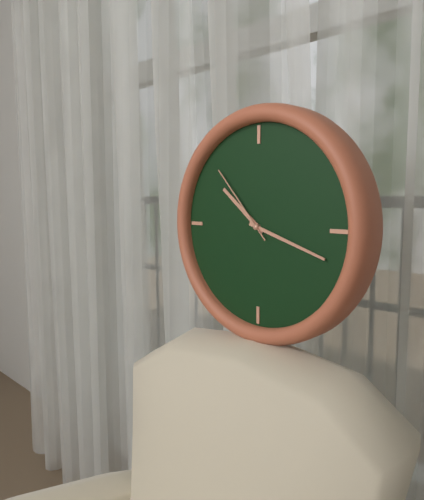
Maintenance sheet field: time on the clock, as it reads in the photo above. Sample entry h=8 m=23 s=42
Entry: h=10 m=18 s=53
